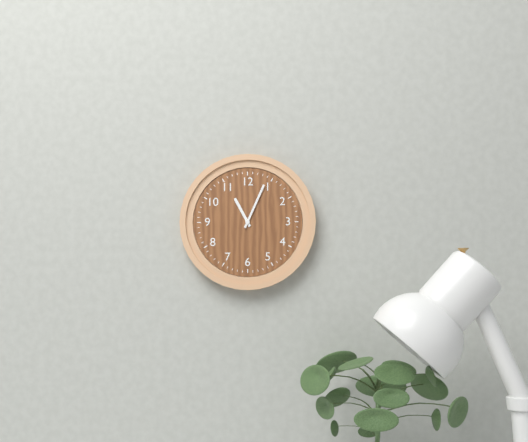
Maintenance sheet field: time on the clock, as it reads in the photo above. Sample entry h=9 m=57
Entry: h=11 m=4
